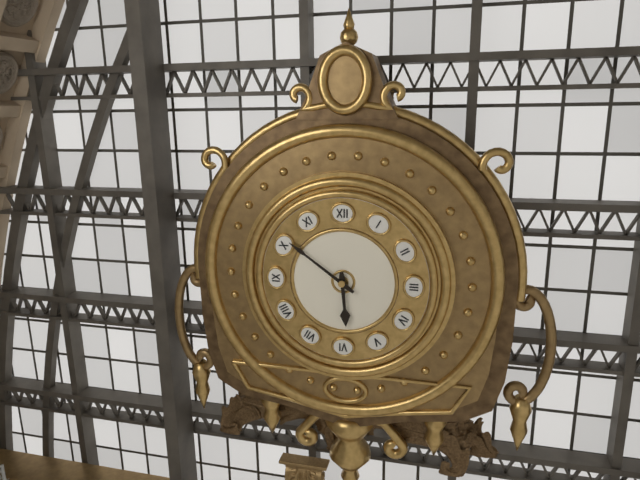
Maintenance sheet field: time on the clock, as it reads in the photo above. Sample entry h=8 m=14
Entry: h=5 m=51
